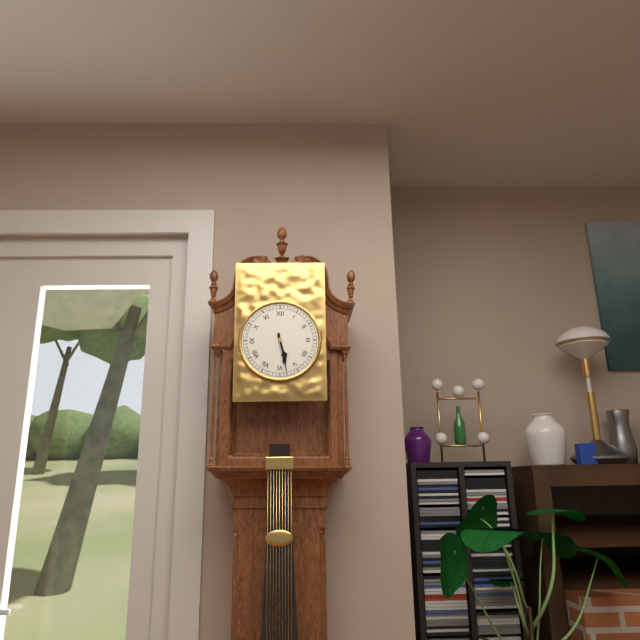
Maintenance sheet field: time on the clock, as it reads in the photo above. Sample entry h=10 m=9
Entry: h=5 m=28
